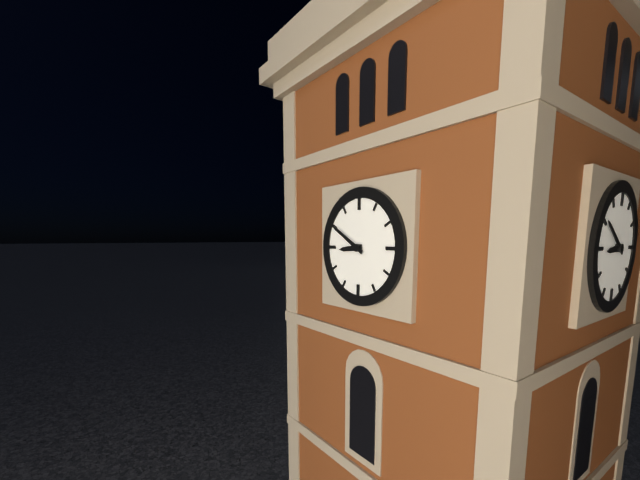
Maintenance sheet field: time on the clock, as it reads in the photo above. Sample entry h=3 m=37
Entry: h=8 m=50
